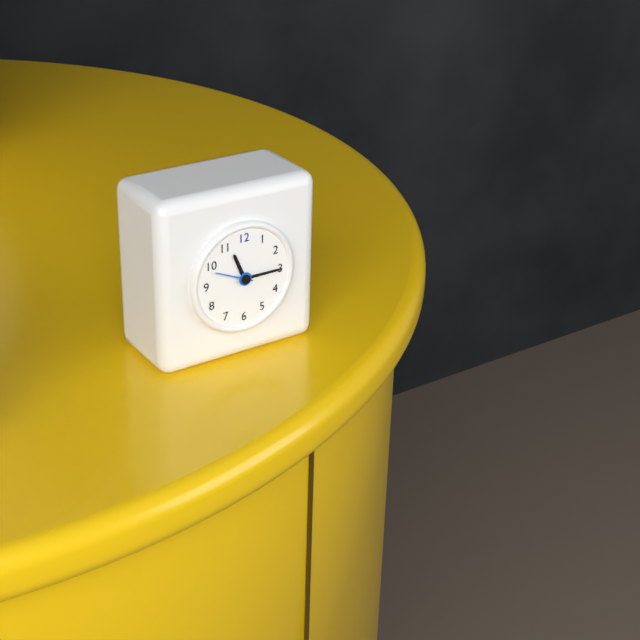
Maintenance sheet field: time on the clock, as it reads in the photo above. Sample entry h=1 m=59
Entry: h=11 m=15
